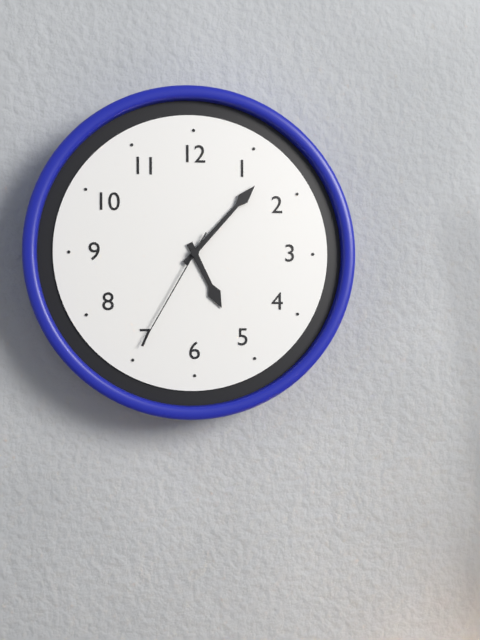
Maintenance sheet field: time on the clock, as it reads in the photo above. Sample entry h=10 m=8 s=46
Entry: h=5 m=7 s=35
